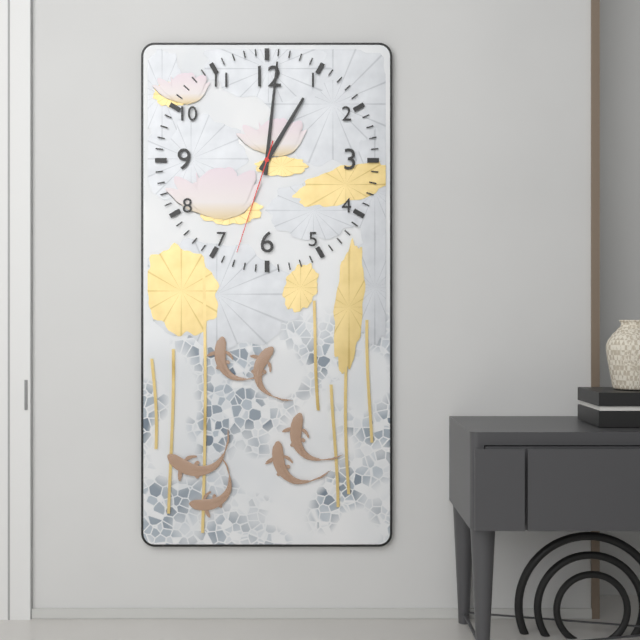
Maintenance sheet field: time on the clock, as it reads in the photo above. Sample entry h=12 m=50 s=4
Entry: h=1 m=1 s=33
